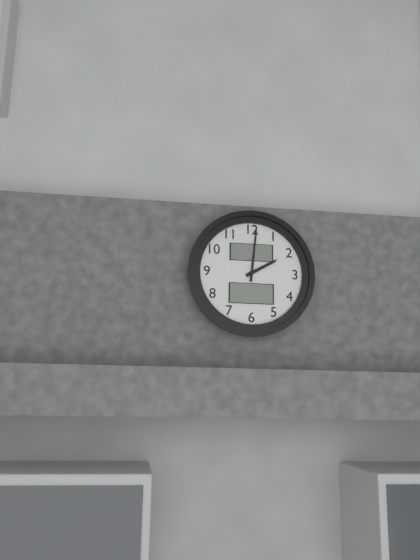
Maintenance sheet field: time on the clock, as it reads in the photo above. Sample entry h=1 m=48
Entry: h=2 m=1
